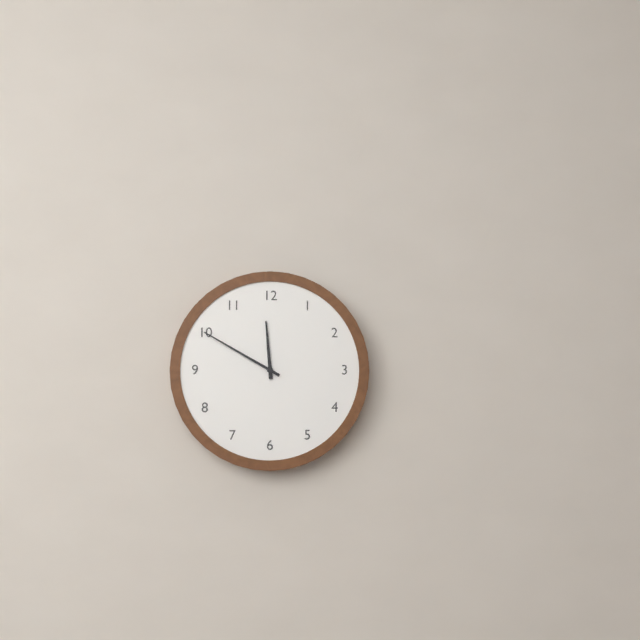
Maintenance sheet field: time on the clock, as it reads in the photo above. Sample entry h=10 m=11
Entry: h=11 m=50
